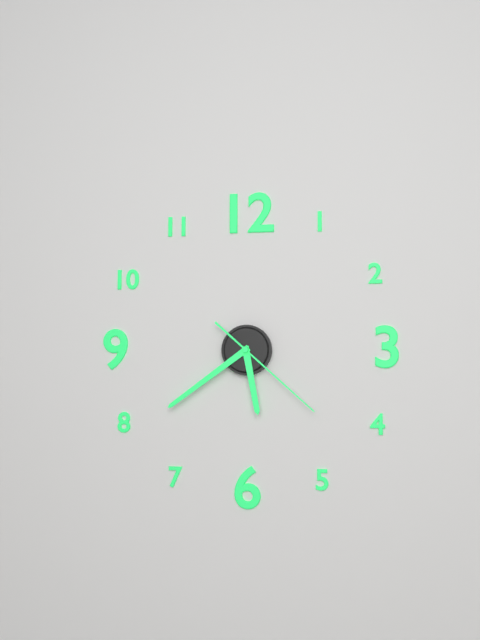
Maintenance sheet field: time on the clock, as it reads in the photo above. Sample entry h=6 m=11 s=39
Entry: h=5 m=39 s=22
